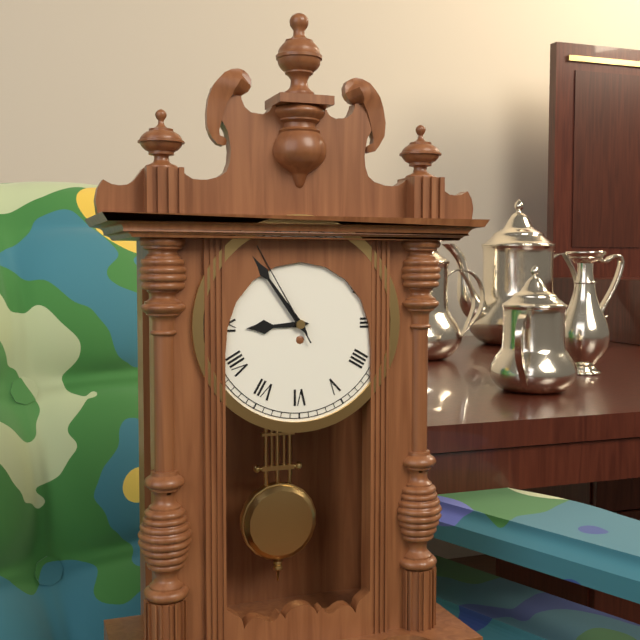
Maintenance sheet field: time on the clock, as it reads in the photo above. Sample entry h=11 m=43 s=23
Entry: h=8 m=54 s=55
